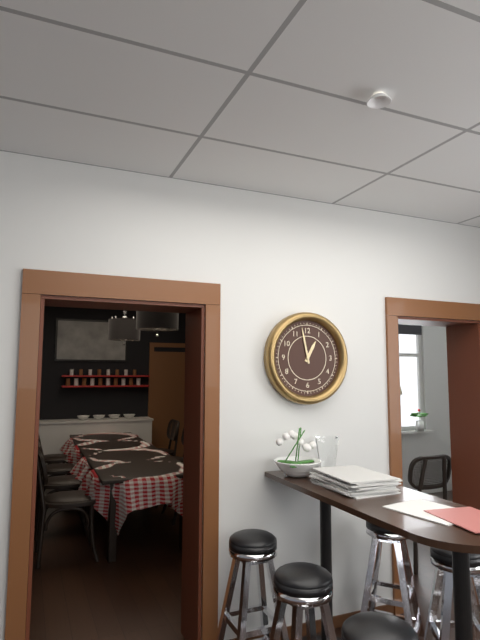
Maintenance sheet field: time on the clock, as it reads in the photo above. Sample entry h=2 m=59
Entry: h=12 m=58
